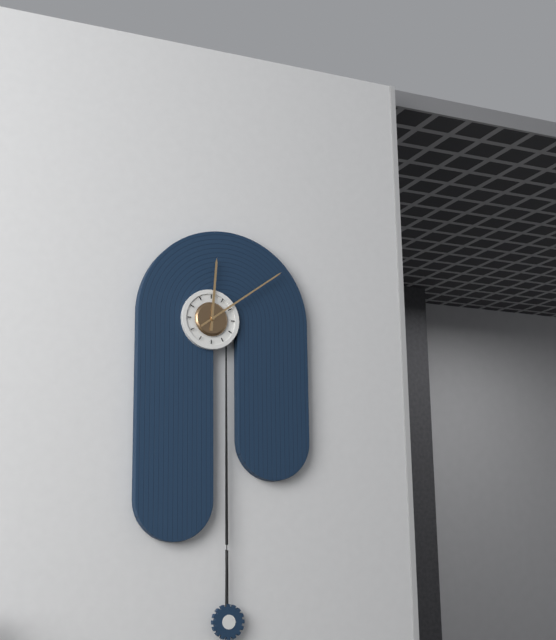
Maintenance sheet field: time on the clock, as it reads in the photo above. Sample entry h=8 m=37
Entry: h=12 m=9
